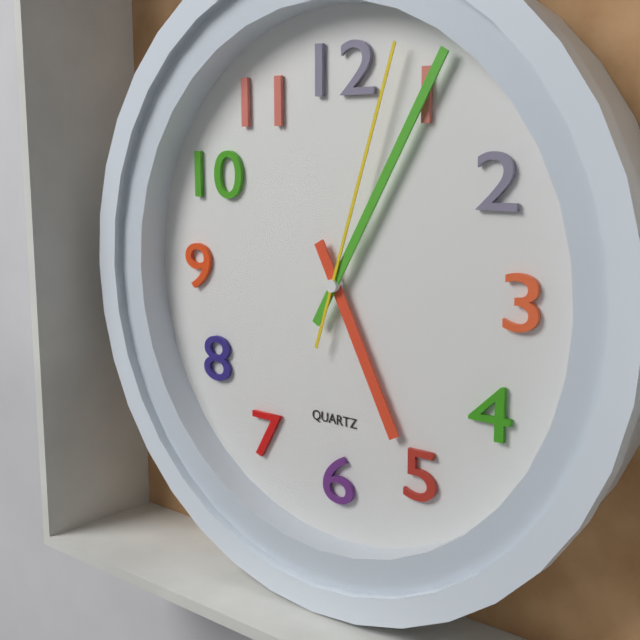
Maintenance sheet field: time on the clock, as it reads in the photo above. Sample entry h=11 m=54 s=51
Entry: h=5 m=5 s=3
